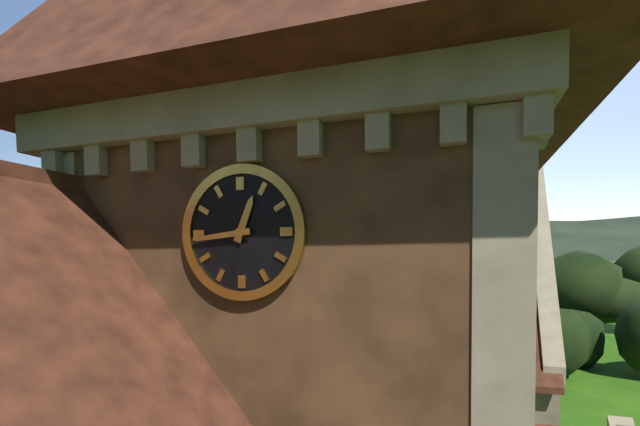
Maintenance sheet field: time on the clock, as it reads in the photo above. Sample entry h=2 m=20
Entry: h=12 m=44
